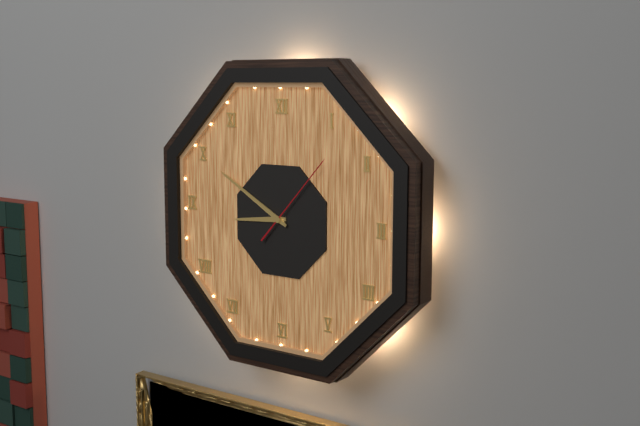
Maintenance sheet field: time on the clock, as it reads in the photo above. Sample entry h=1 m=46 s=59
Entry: h=8 m=50 s=7
